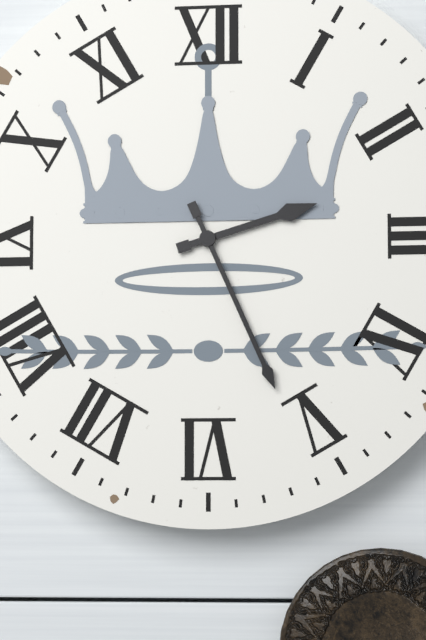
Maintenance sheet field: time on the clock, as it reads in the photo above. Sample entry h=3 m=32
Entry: h=2 m=26
